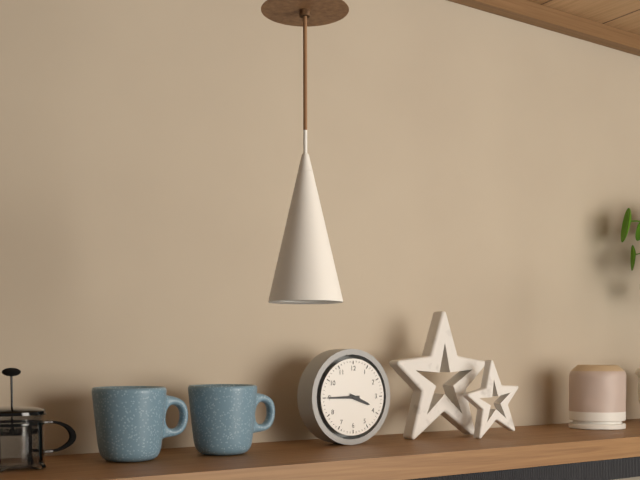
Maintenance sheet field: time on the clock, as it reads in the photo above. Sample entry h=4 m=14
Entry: h=3 m=45
